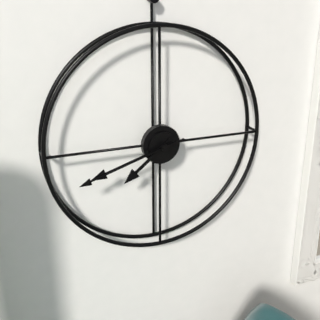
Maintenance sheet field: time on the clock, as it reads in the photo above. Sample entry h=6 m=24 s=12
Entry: h=7 m=42 s=42
